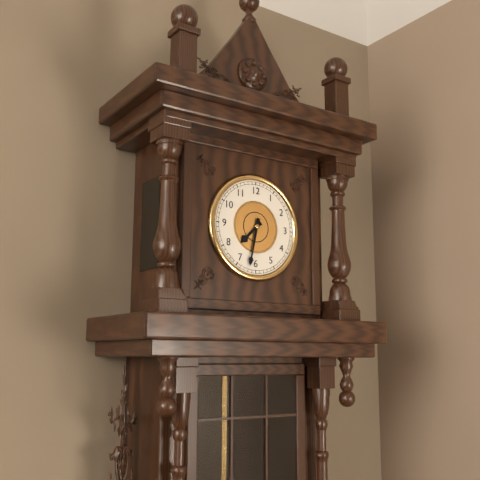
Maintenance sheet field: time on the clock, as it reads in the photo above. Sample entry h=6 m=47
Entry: h=7 m=32
